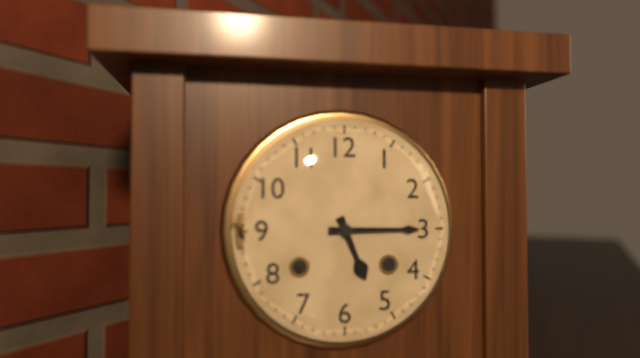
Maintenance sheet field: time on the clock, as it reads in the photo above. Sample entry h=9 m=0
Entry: h=5 m=15
